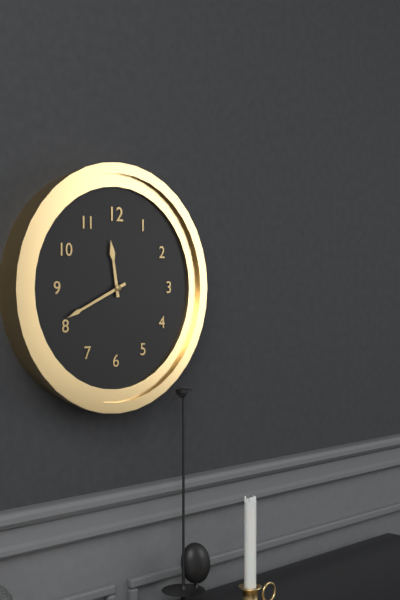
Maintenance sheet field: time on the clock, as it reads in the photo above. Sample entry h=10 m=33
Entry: h=11 m=41
